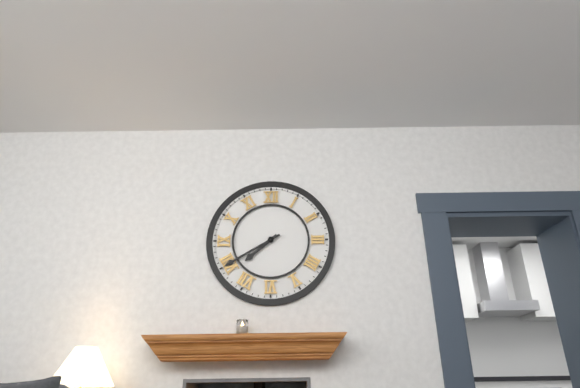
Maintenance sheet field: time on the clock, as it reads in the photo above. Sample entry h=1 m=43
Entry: h=7 m=40
